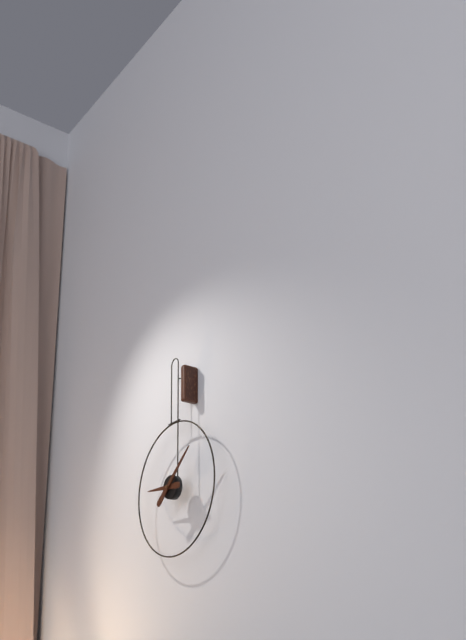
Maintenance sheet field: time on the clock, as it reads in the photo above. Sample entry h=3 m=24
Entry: h=9 m=8
